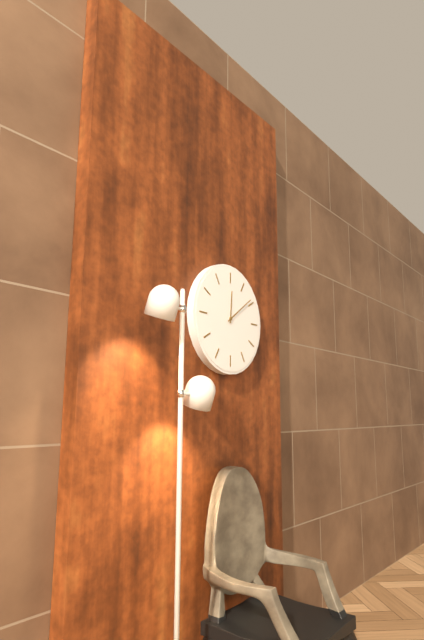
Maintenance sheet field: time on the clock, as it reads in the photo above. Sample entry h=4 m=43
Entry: h=12 m=9
